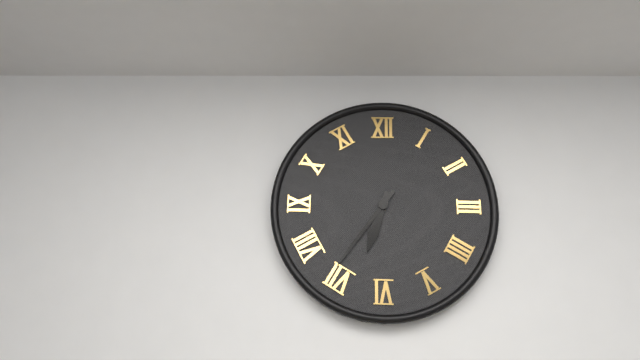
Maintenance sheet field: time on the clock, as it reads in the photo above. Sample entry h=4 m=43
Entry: h=6 m=36
